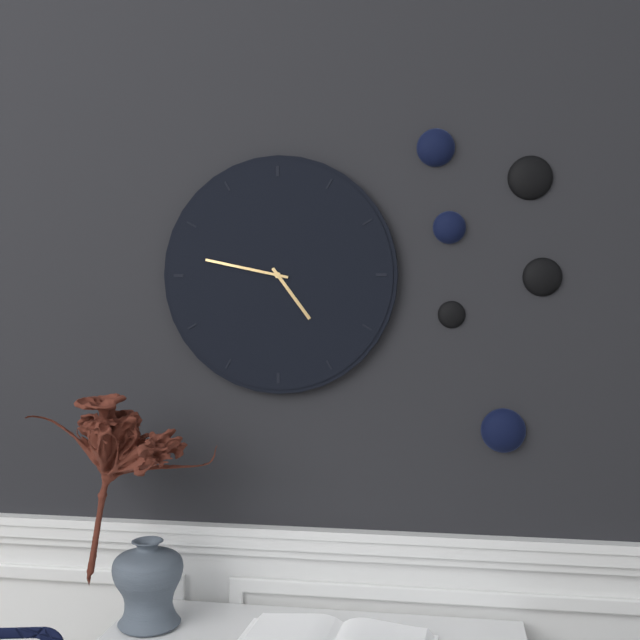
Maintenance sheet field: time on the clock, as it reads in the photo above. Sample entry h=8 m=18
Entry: h=4 m=47
